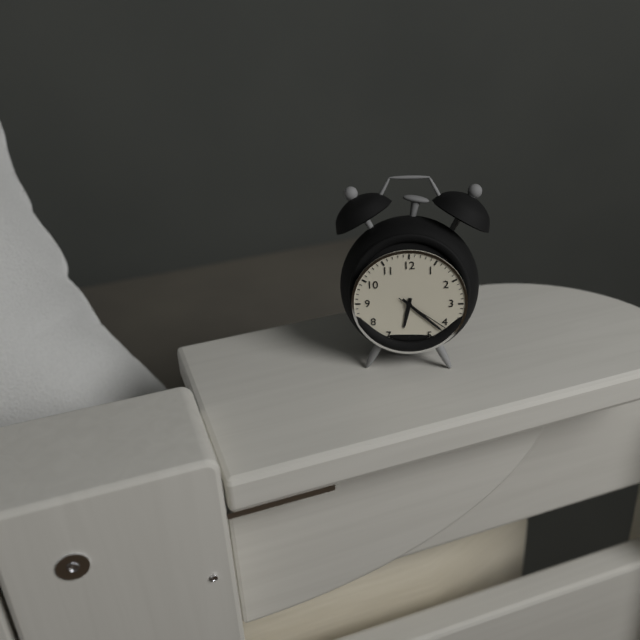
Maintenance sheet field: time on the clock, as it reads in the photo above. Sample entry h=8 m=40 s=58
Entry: h=6 m=22 s=21
